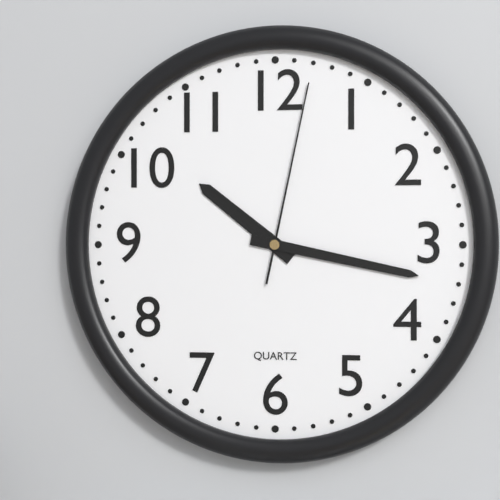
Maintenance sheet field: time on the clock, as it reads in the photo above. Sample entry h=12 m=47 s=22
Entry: h=10 m=17 s=2
